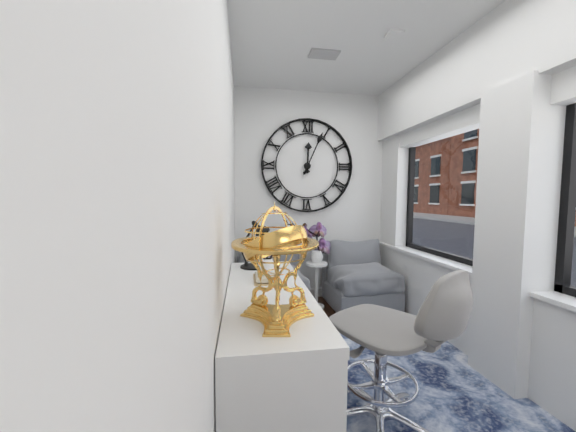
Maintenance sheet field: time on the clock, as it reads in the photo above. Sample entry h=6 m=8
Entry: h=12 m=4
